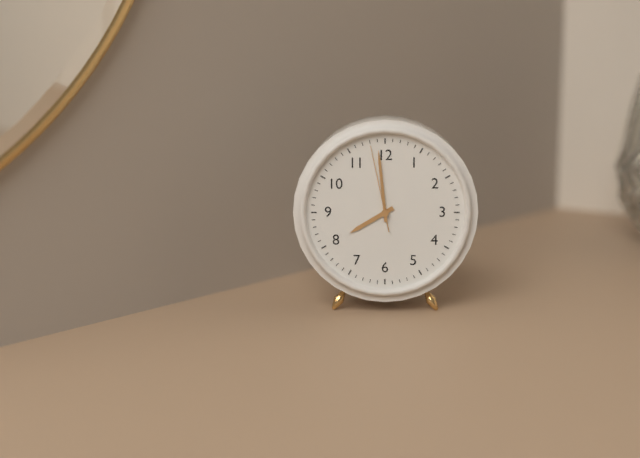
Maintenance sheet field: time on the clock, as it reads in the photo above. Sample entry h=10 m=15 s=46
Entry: h=7 m=59 s=58
